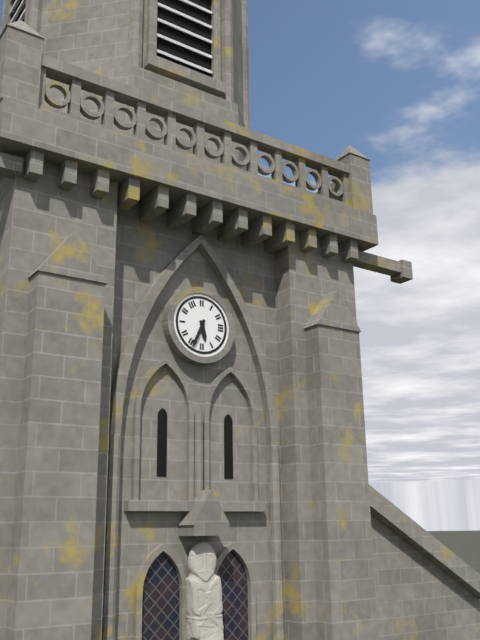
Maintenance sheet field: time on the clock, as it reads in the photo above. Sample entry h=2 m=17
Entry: h=5 m=34
